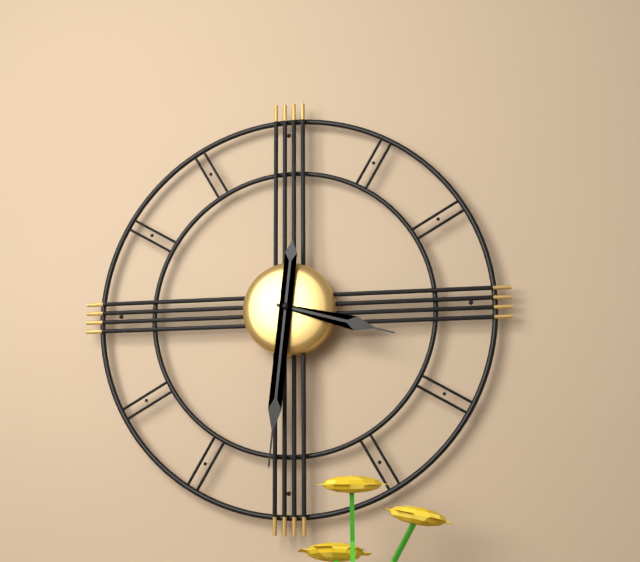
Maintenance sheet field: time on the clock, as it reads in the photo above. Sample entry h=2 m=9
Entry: h=3 m=31
